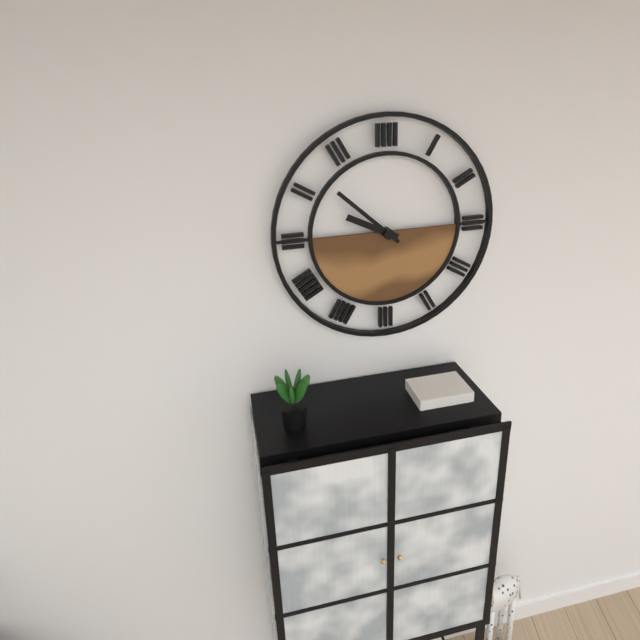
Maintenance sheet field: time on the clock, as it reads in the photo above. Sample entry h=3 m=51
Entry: h=9 m=52
